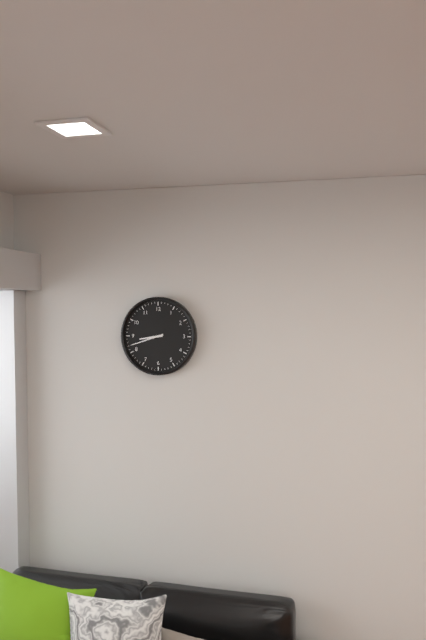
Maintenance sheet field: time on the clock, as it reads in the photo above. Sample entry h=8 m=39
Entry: h=8 m=42
